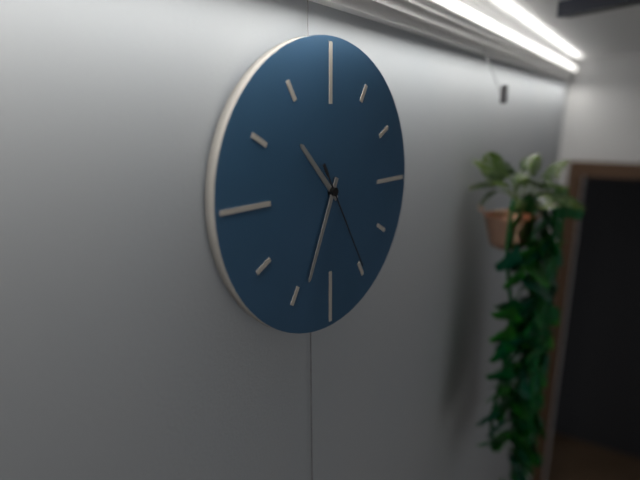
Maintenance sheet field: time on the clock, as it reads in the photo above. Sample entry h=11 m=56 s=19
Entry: h=10 m=34 s=25
